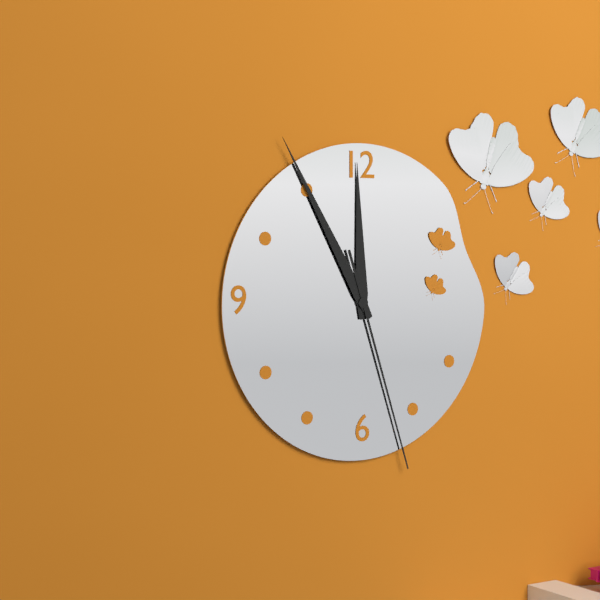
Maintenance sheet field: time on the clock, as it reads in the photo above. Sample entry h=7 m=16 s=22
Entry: h=11 m=55 s=27
